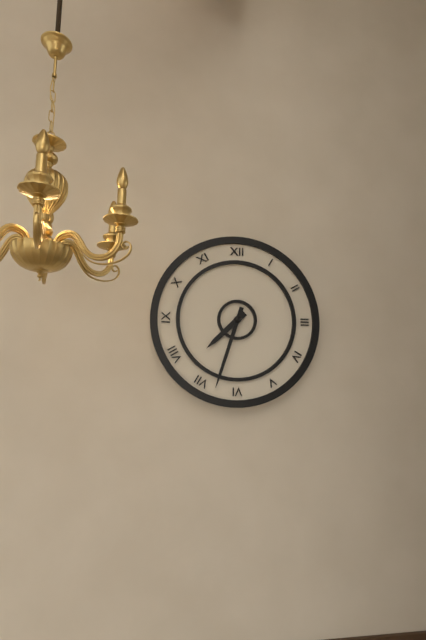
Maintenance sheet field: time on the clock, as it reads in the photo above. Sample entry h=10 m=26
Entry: h=7 m=33
